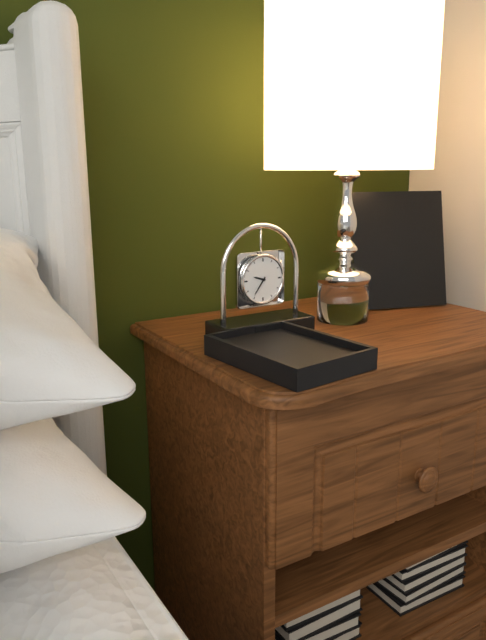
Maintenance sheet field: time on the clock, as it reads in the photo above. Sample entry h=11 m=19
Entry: h=9 m=36
